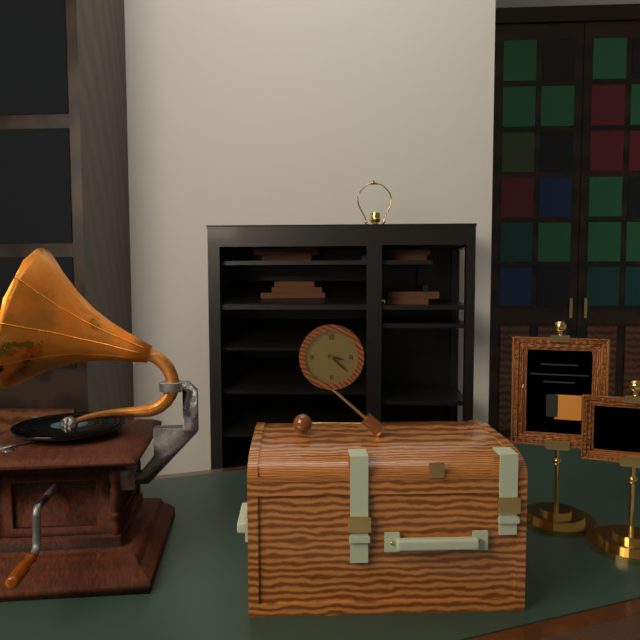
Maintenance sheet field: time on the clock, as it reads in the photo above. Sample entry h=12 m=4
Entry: h=3 m=22
